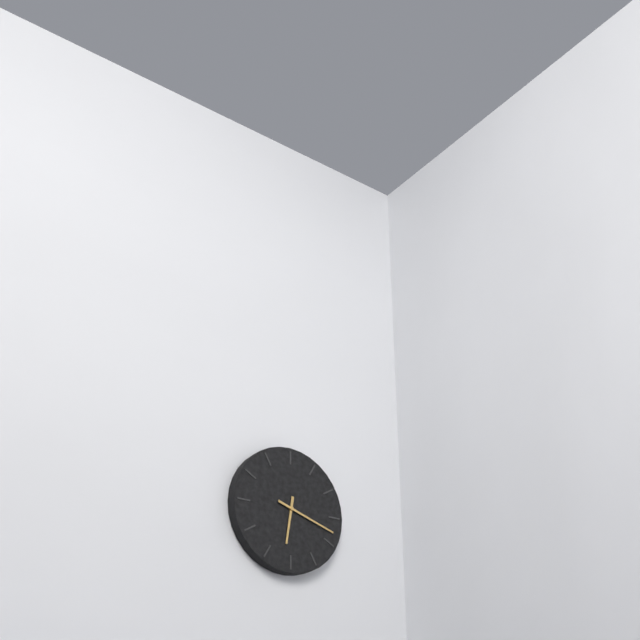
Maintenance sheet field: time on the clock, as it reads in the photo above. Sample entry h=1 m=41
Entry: h=6 m=18
